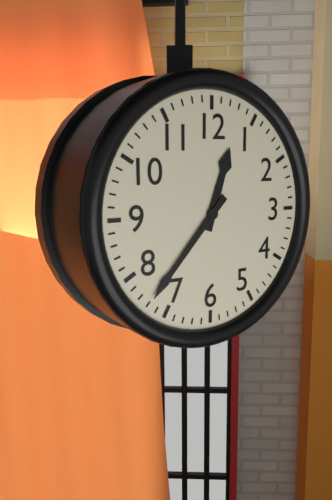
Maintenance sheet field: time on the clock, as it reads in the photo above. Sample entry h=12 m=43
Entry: h=12 m=37
